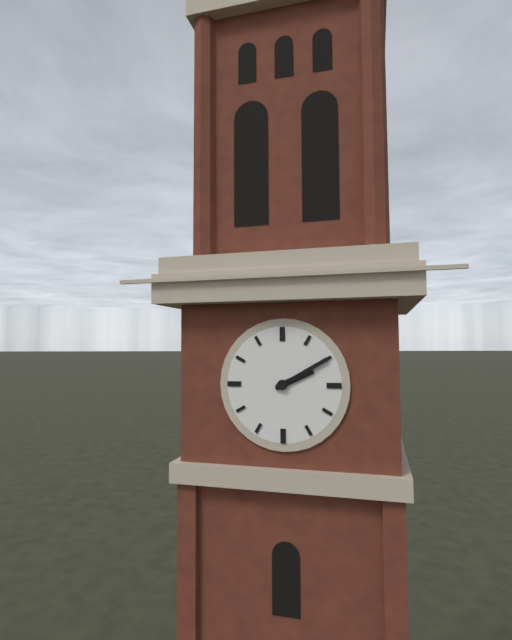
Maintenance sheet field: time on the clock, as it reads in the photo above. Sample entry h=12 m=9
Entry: h=2 m=10
